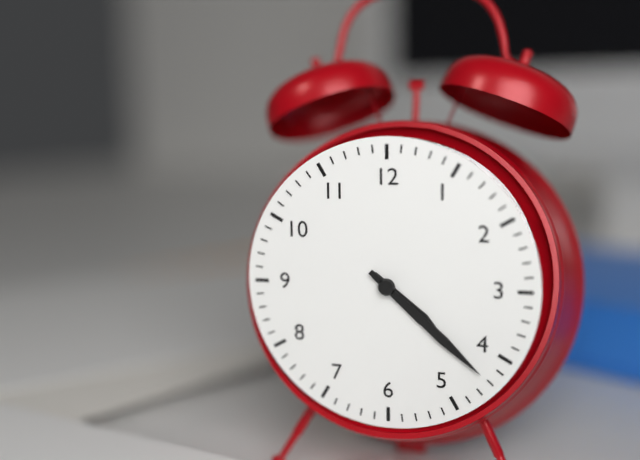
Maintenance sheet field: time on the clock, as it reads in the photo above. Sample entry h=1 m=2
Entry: h=4 m=22
